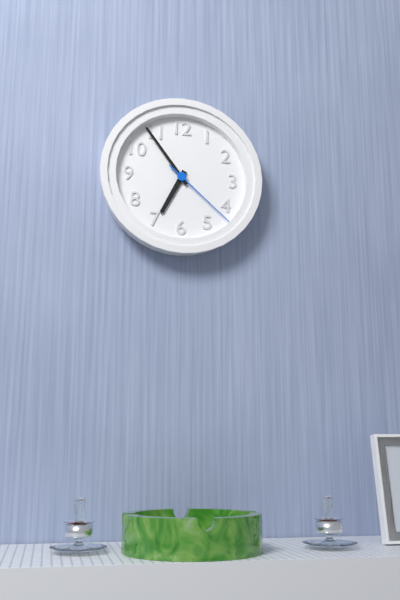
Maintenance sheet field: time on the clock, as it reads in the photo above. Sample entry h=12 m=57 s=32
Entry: h=6 m=54 s=22
